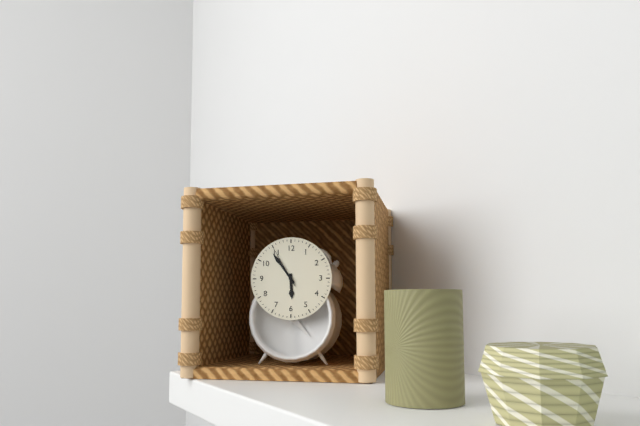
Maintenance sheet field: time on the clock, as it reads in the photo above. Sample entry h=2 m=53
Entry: h=5 m=54
